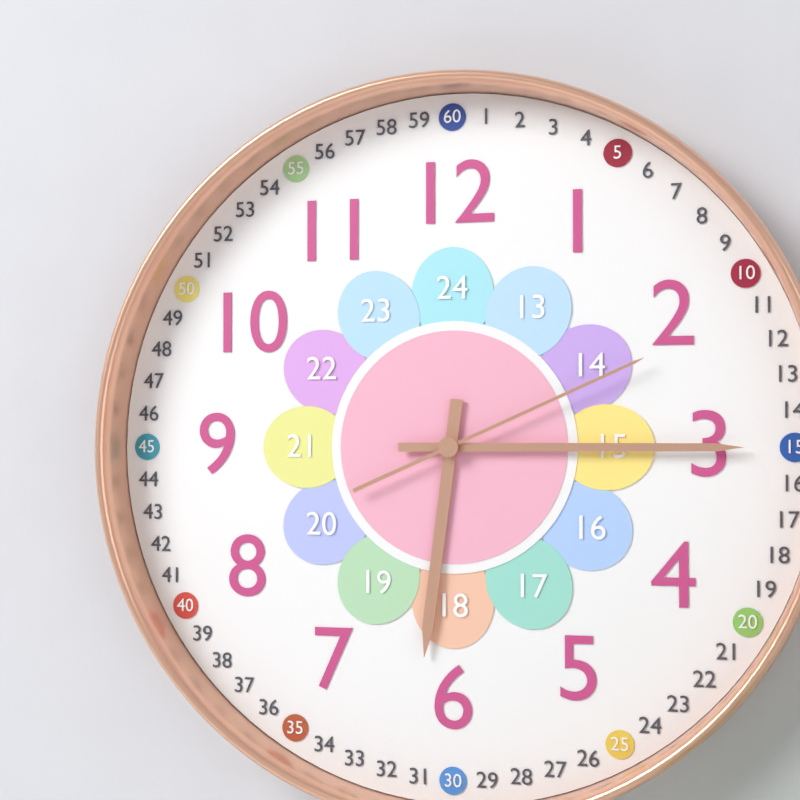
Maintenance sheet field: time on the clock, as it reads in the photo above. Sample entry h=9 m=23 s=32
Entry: h=6 m=15 s=11
